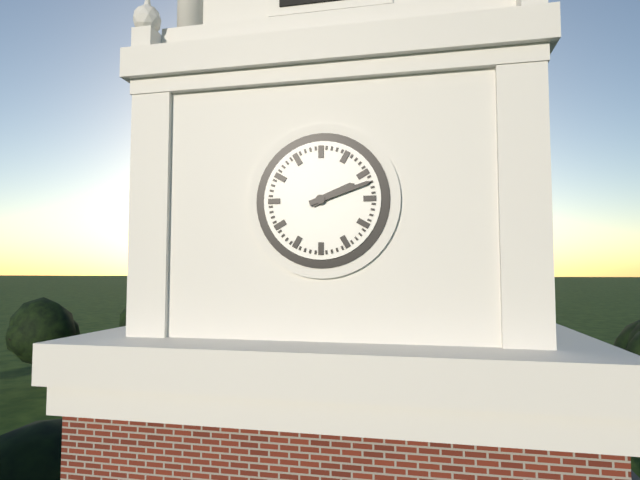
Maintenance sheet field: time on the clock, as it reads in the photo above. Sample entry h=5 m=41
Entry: h=2 m=12
